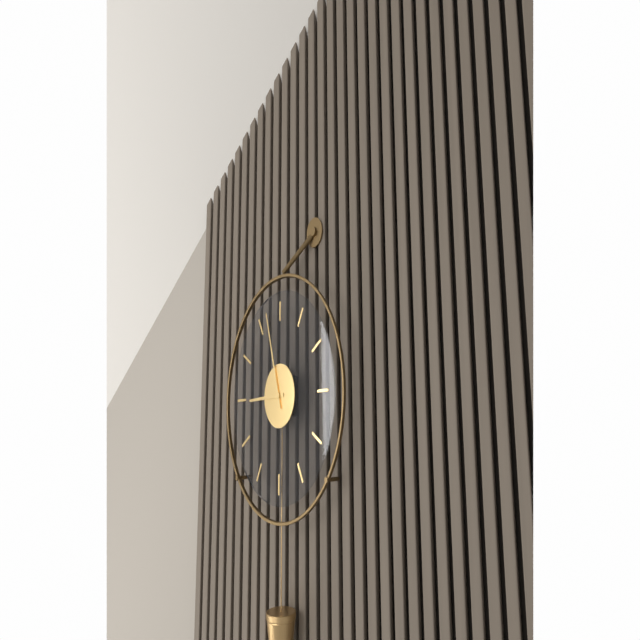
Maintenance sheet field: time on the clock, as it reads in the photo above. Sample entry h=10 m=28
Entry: h=8 m=57
